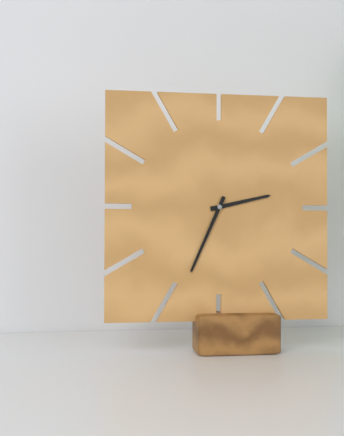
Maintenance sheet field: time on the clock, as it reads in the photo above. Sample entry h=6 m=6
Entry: h=2 m=34
